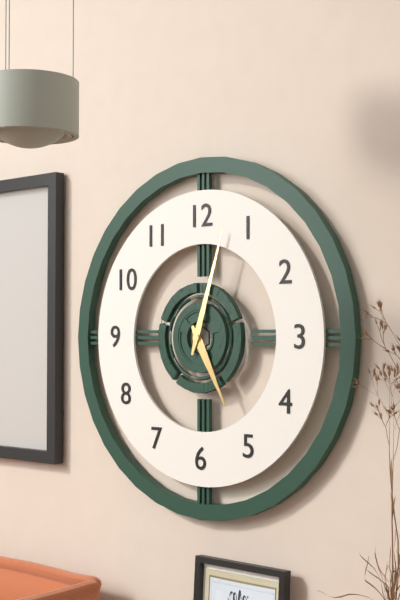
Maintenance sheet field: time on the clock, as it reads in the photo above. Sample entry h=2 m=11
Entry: h=5 m=3
